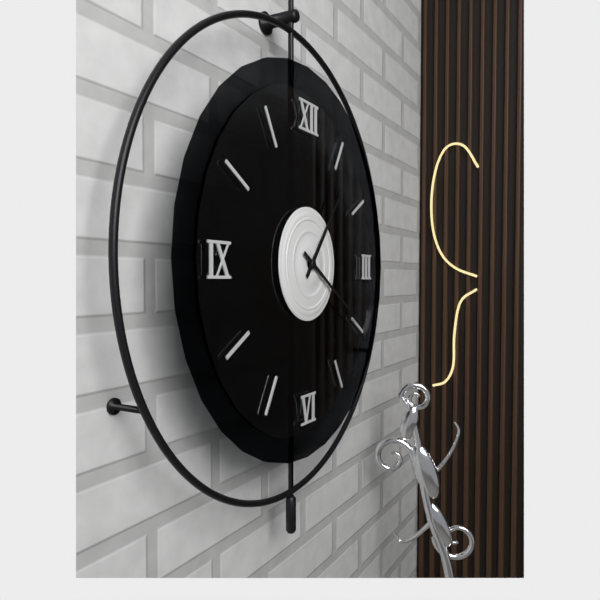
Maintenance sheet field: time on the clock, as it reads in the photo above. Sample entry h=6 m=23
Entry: h=1 m=20
